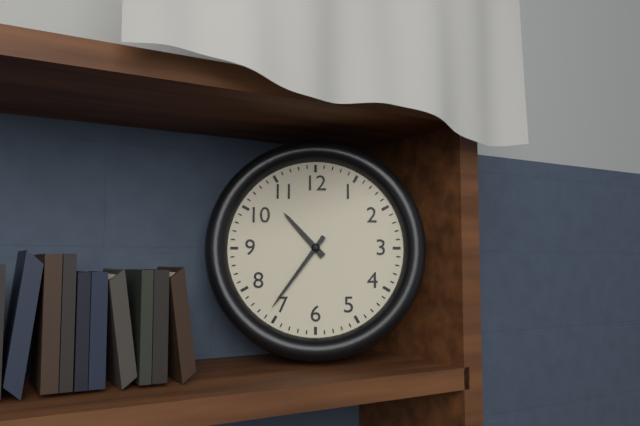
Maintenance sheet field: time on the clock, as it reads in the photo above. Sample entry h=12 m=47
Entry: h=10 m=36
